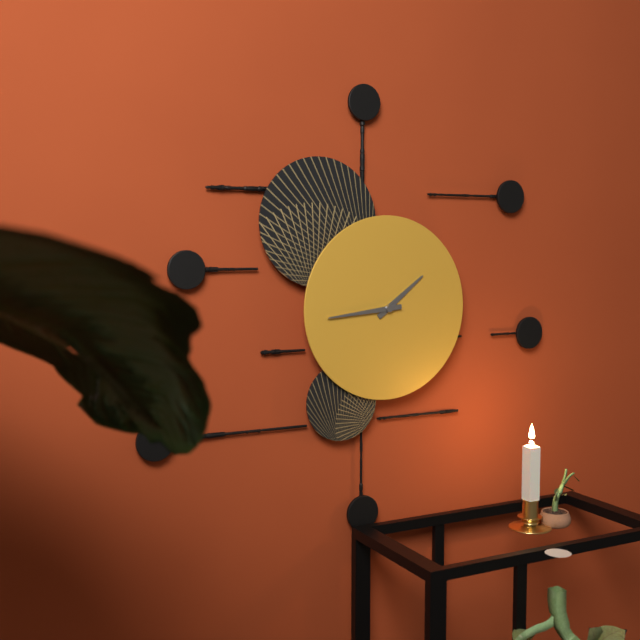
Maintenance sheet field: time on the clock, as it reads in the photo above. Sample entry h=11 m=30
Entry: h=1 m=44
